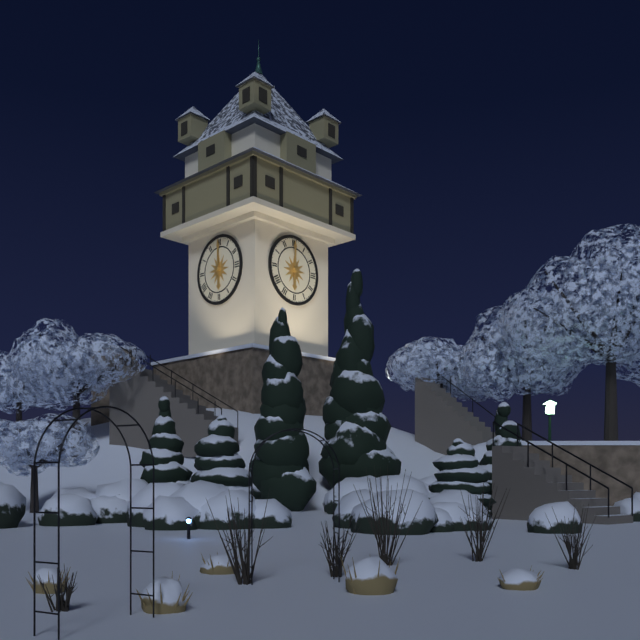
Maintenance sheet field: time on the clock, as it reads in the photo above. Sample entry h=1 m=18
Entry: h=6 m=0
